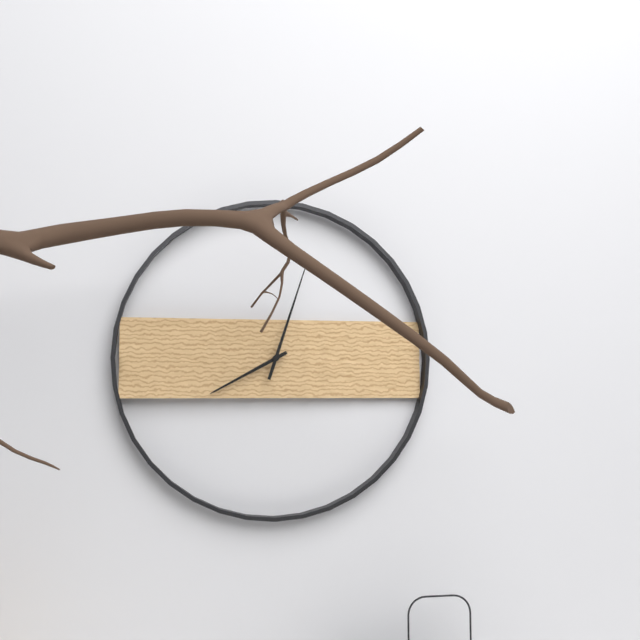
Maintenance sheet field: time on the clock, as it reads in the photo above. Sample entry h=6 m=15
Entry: h=8 m=3
